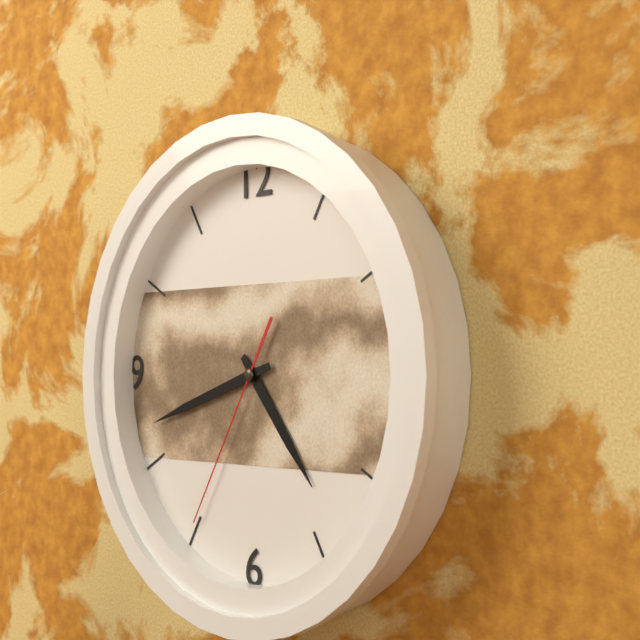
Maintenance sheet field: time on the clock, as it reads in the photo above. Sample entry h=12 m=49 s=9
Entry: h=4 m=42 s=35
